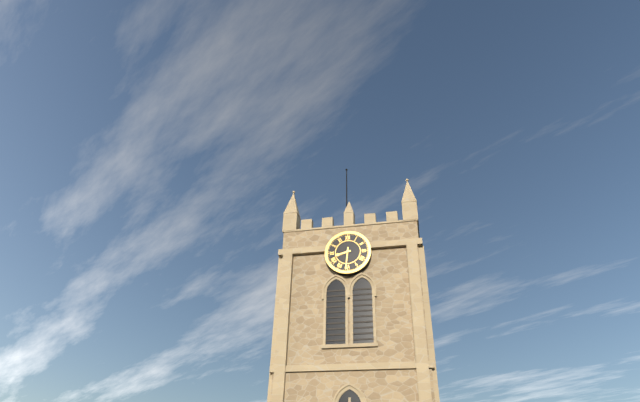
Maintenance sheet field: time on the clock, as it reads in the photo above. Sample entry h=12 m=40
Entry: h=8 m=31
